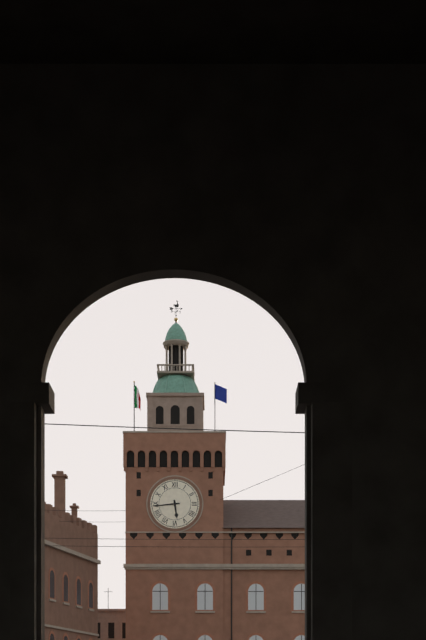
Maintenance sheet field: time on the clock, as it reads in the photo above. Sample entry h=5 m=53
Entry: h=5 m=44
